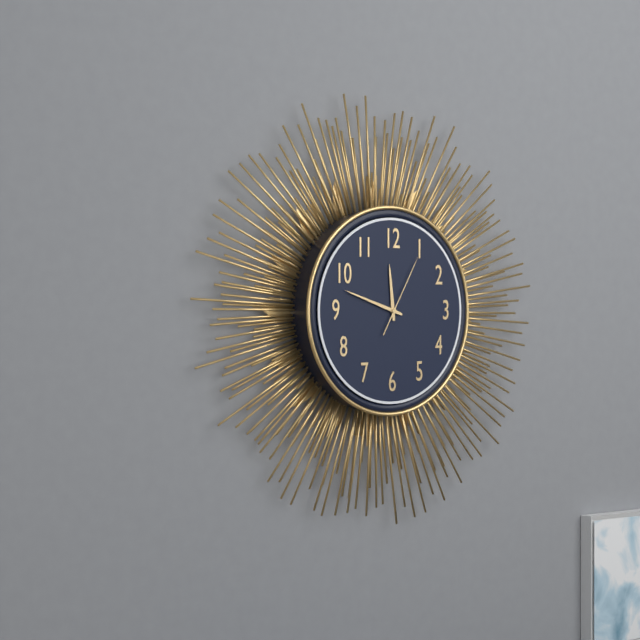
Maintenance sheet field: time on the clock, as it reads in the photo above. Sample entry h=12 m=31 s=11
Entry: h=11 m=48 s=5
